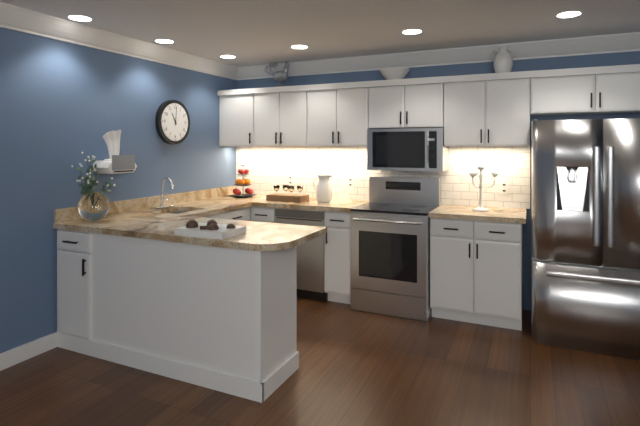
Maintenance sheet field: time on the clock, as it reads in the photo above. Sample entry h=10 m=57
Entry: h=11 m=1
